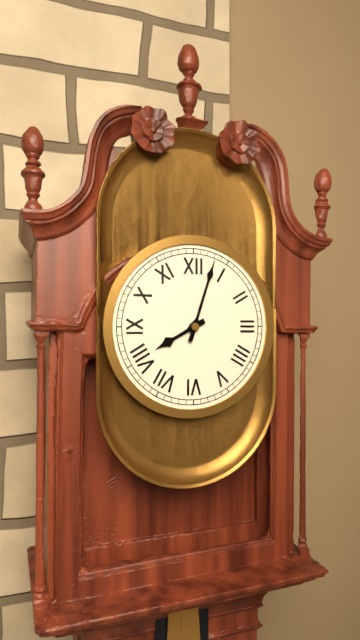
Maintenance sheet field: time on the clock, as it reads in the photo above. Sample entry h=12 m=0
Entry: h=8 m=3
